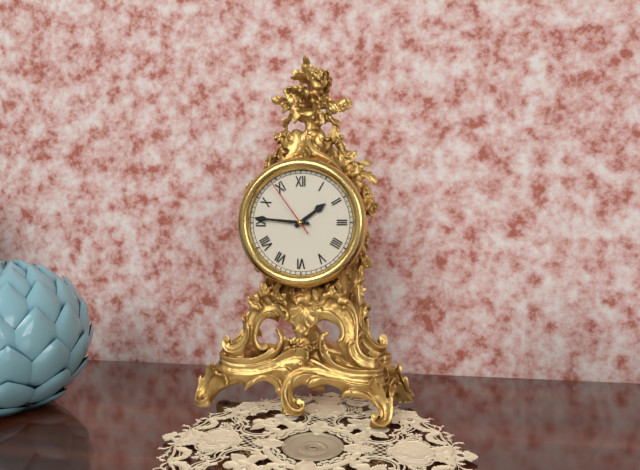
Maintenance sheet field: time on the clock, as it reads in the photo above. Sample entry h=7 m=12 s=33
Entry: h=1 m=46 s=54
